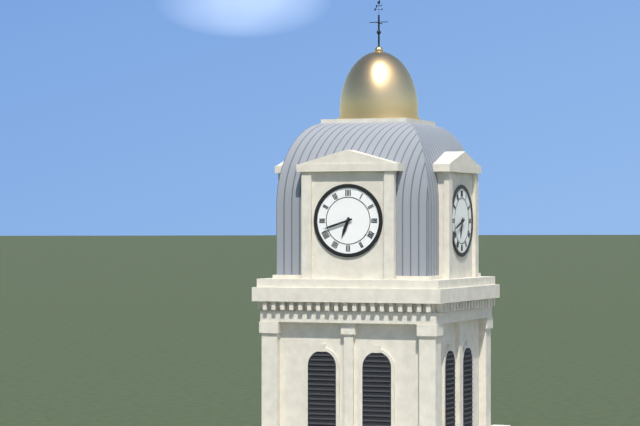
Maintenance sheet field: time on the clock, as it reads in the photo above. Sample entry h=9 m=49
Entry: h=6 m=42
